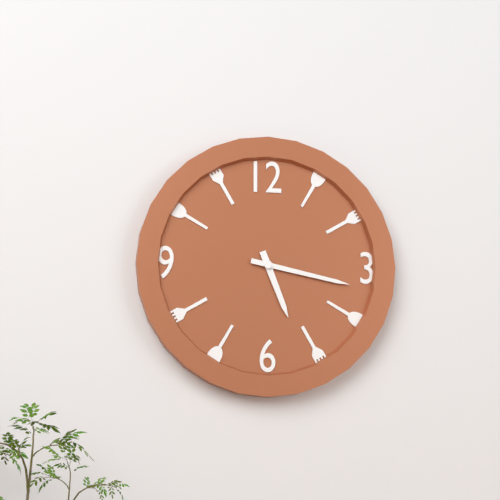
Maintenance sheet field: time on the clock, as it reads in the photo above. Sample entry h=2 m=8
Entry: h=5 m=17
